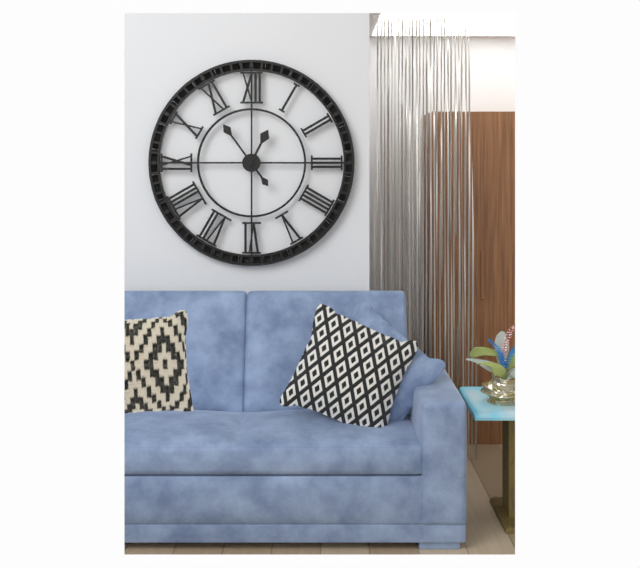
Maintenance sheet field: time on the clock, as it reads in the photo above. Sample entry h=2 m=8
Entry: h=12 m=54
